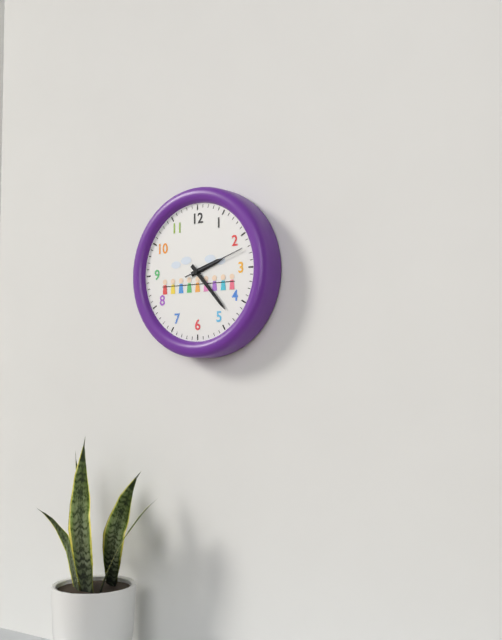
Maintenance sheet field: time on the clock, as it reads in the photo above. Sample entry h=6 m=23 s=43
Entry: h=2 m=23 s=12
